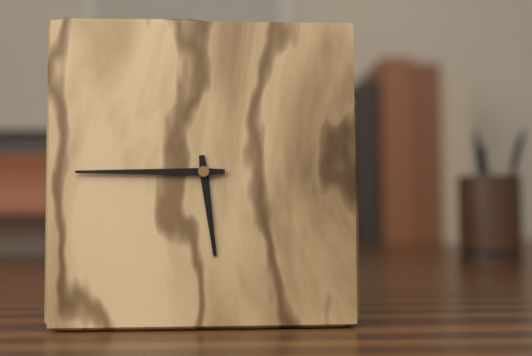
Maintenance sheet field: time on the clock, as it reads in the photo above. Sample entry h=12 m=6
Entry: h=5 m=45
